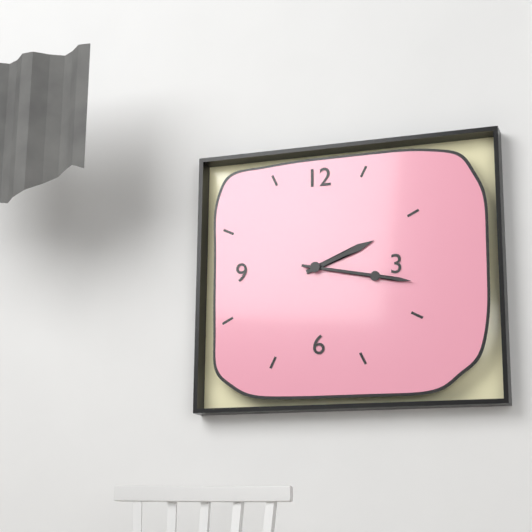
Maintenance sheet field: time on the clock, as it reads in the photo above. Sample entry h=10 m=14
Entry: h=2 m=17
